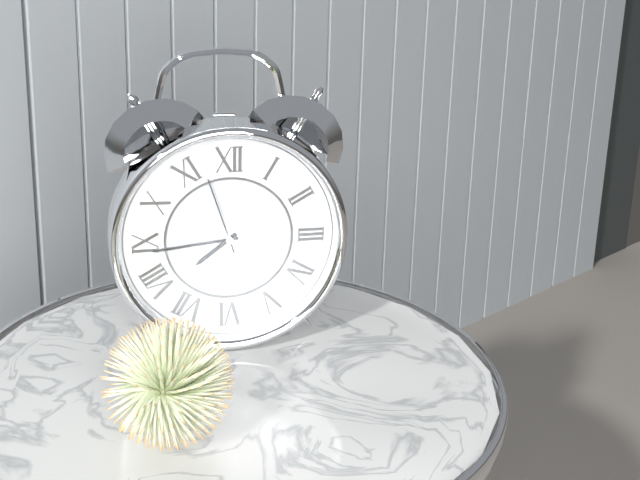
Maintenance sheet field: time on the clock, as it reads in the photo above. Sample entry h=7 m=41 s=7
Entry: h=7 m=44 s=57
